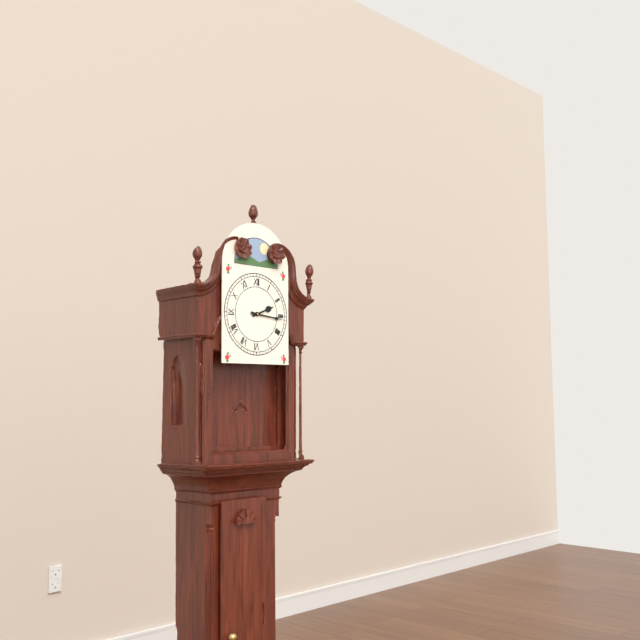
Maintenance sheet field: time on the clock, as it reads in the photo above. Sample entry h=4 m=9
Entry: h=2 m=16
